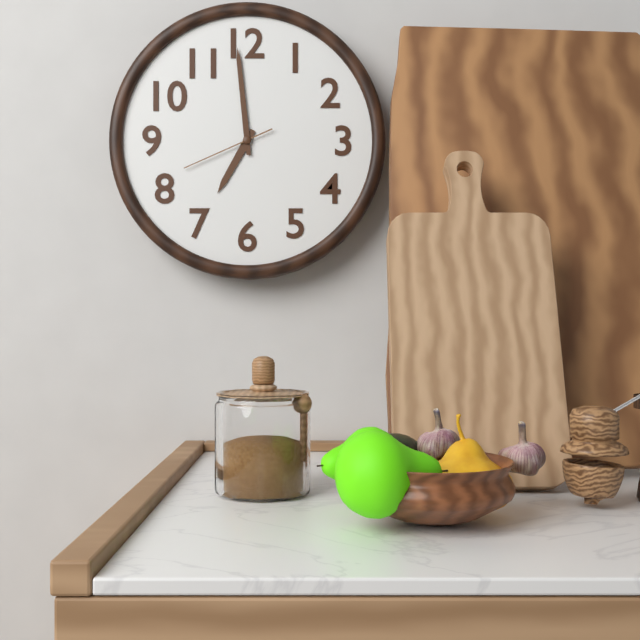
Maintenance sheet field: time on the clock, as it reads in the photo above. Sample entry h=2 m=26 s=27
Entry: h=6 m=59 s=41
